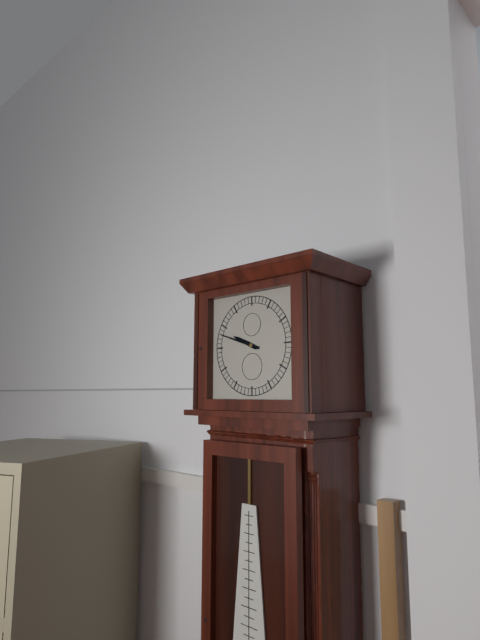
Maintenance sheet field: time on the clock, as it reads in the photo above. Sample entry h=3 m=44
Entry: h=9 m=48
